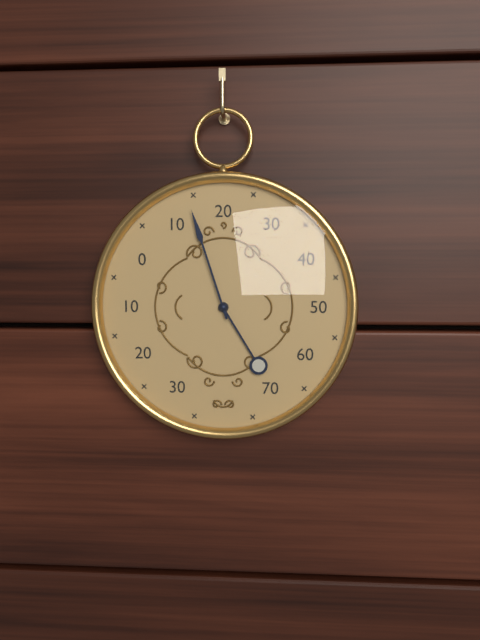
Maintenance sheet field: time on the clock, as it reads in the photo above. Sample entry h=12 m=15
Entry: h=4 m=57
